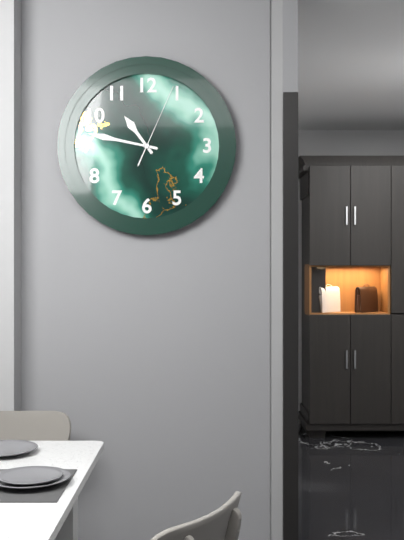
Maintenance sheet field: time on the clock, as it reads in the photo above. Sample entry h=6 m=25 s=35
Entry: h=10 m=47 s=4
